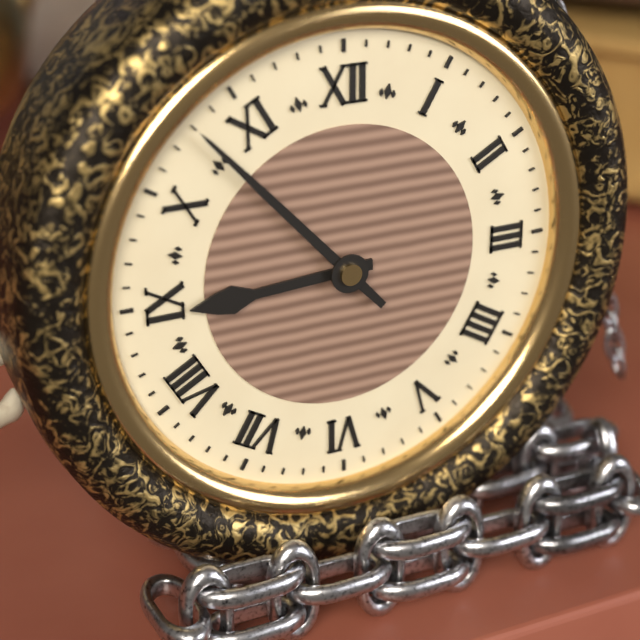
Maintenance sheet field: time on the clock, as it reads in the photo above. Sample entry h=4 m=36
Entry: h=8 m=53
